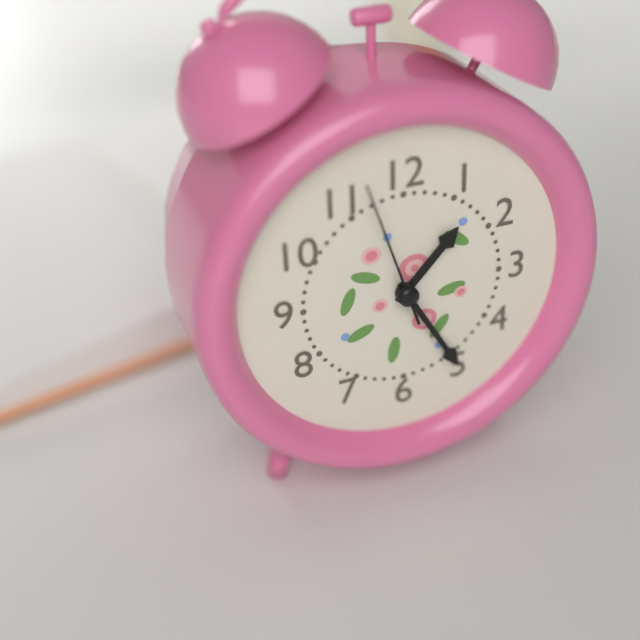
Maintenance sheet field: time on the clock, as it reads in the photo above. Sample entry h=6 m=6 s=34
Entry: h=1 m=25 s=57
